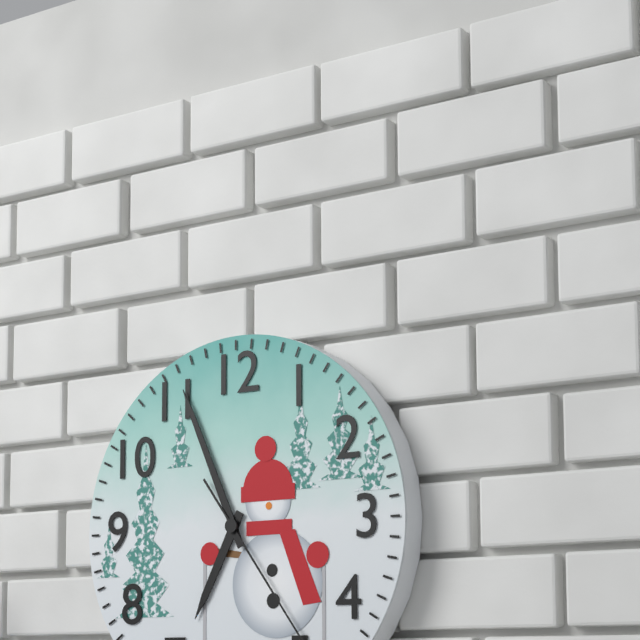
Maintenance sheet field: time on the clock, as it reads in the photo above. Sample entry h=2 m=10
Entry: h=6 m=56
